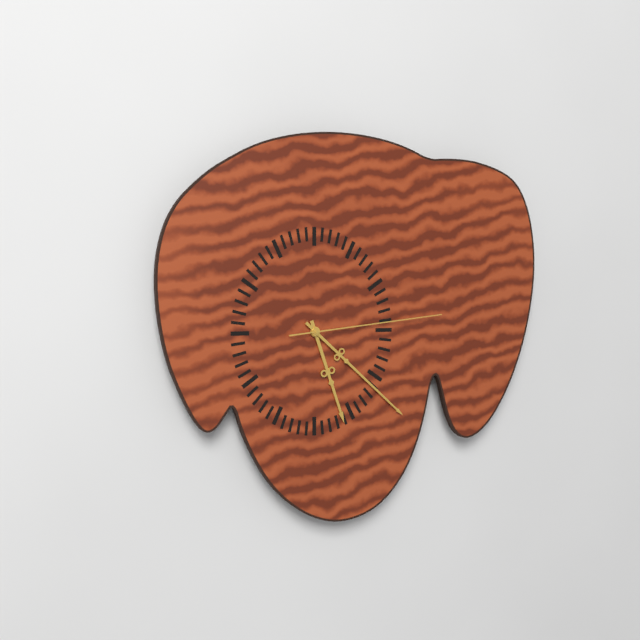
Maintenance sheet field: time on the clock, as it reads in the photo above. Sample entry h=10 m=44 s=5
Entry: h=5 m=22 s=14
